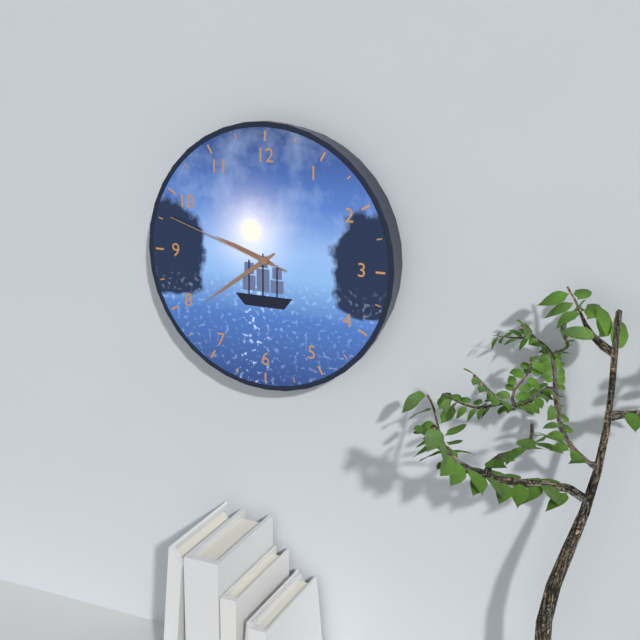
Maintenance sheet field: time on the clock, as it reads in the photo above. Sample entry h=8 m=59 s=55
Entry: h=9 m=39 s=48
